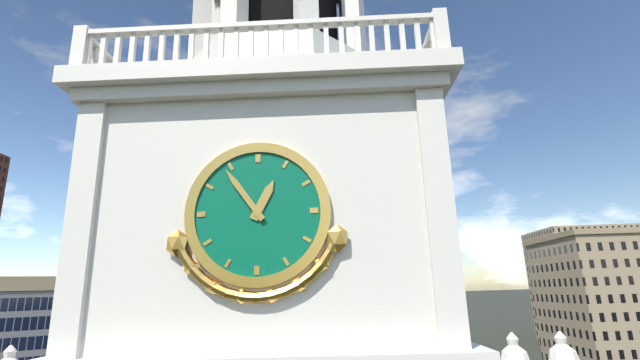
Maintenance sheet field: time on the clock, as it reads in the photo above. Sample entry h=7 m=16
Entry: h=12 m=54
